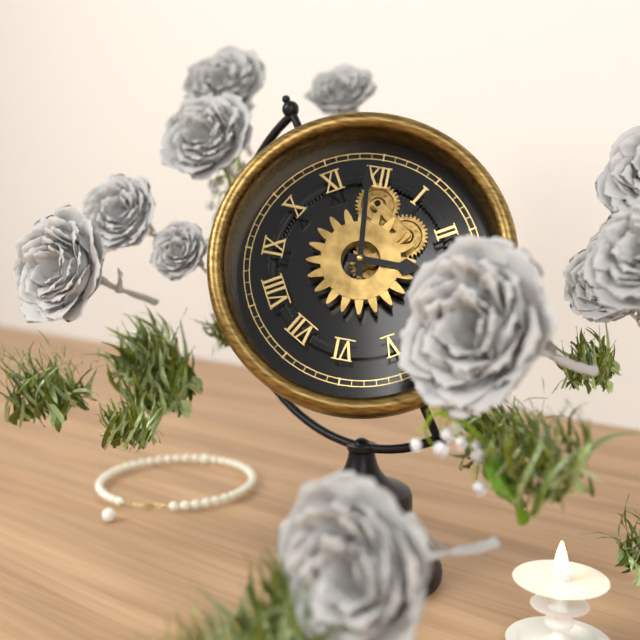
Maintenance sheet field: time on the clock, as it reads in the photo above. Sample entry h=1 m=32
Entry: h=2 m=59
